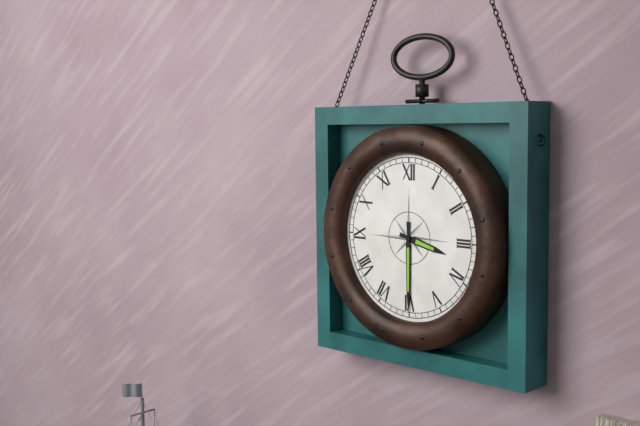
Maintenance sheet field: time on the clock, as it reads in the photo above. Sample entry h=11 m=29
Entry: h=3 m=30
